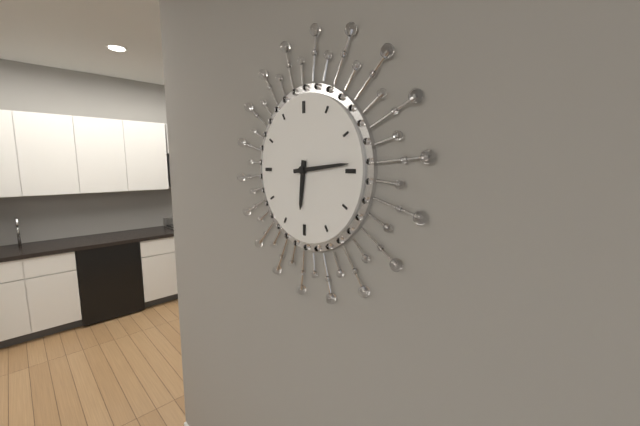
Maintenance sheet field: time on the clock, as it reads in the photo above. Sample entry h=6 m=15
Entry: h=6 m=14
